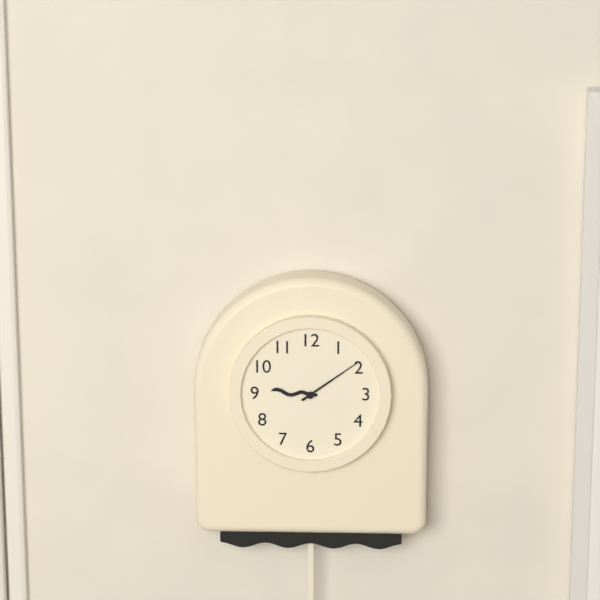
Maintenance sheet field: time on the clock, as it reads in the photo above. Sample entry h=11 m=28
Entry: h=9 m=9
